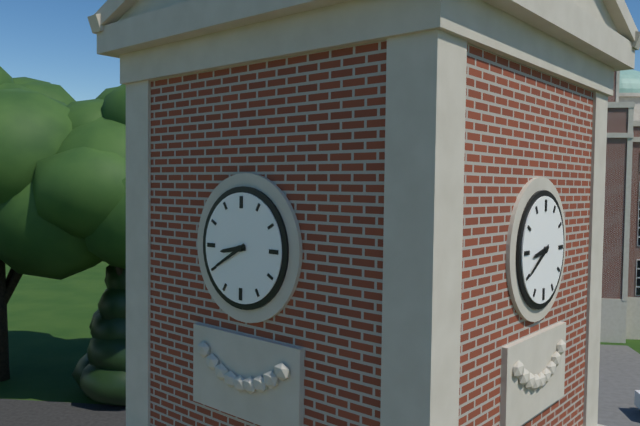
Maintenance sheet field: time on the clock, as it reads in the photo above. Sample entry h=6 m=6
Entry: h=8 m=40
